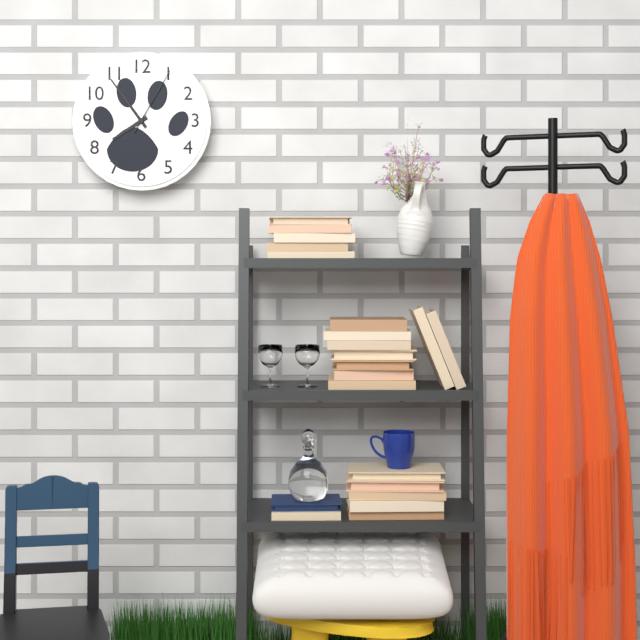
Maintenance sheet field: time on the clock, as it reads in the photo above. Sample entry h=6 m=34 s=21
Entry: h=7 m=54 s=5
